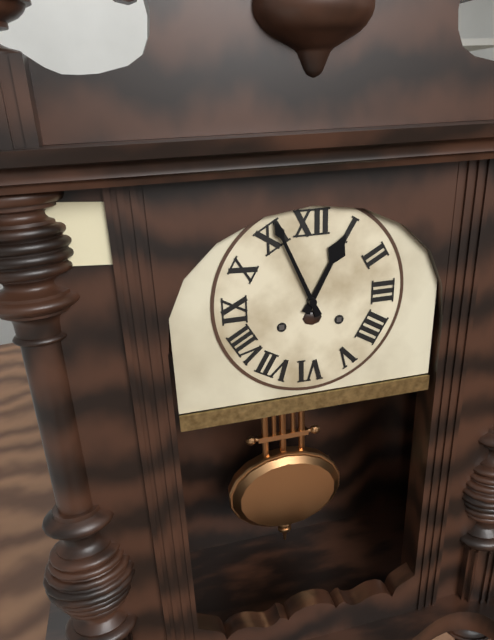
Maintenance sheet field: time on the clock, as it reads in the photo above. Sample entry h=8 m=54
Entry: h=12 m=56
